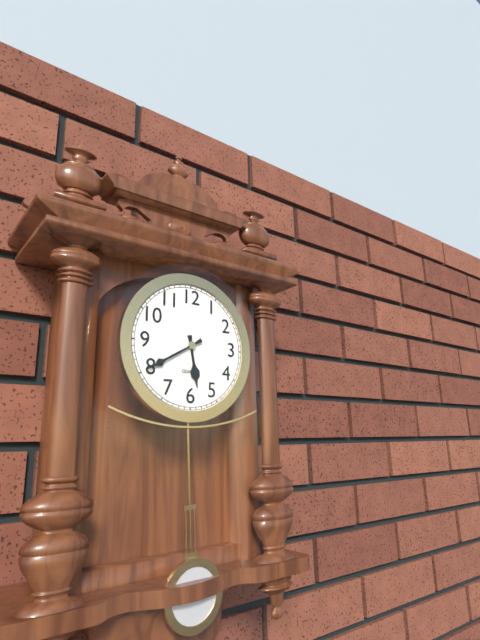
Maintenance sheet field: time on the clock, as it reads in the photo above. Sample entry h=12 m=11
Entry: h=5 m=40
